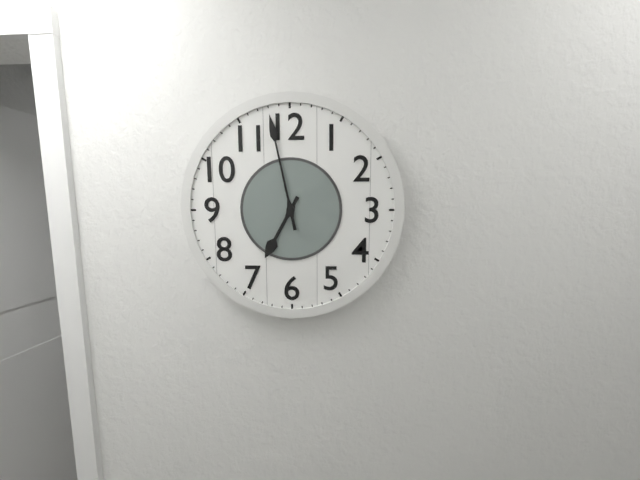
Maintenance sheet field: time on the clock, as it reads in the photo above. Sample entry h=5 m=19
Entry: h=6 m=58
